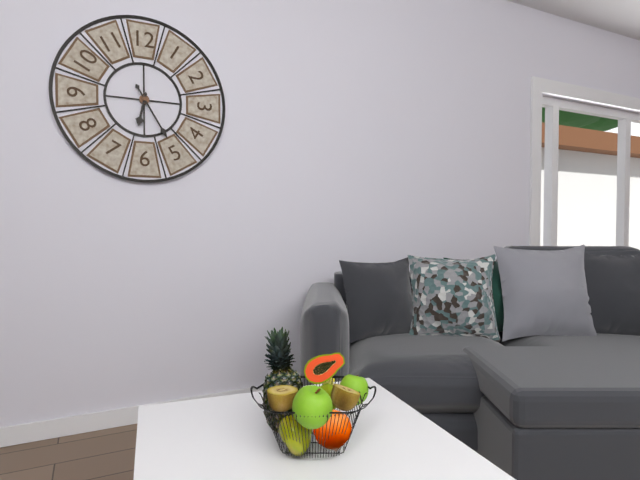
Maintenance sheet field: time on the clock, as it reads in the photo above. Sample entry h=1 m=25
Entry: h=6 m=25
